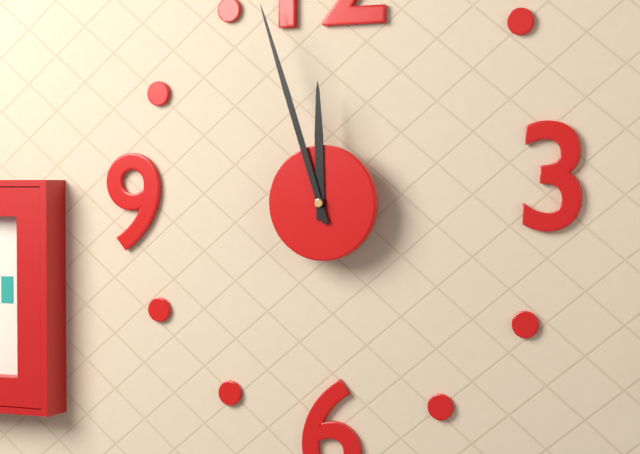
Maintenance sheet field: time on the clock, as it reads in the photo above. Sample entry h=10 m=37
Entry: h=11 m=57
